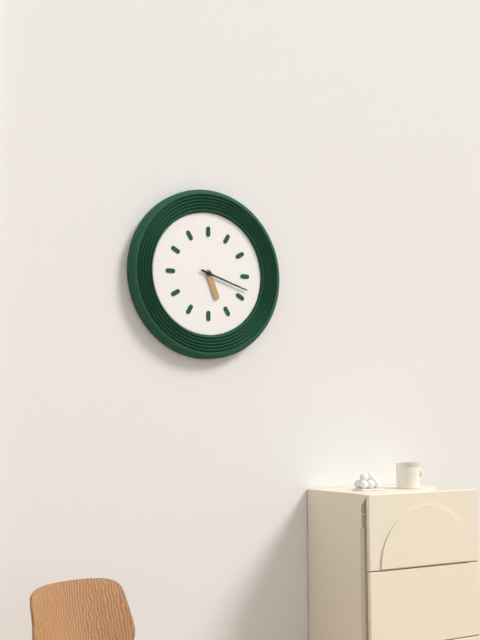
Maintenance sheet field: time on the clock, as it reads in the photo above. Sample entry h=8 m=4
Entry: h=5 m=18
